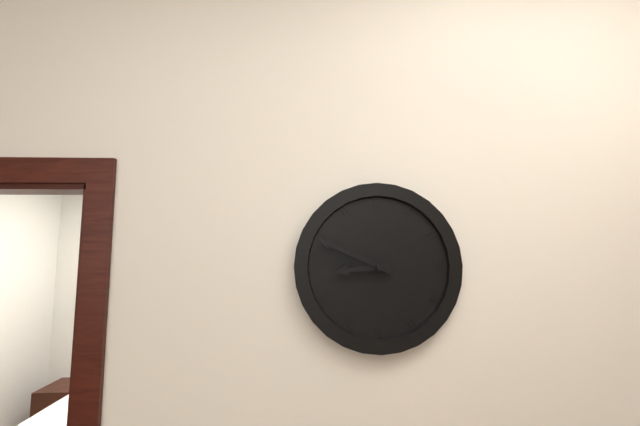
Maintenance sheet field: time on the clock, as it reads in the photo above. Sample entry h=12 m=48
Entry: h=8 m=49
